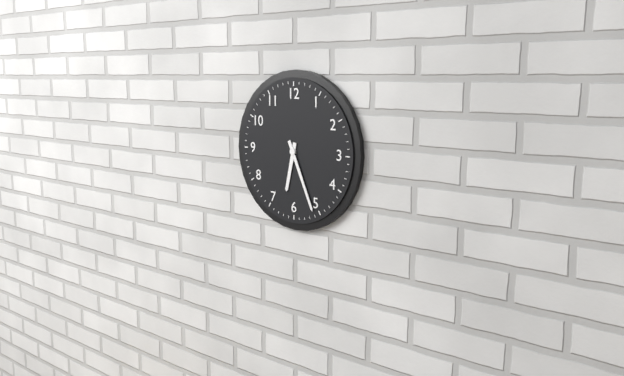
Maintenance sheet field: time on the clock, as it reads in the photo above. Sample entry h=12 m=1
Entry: h=6 m=26
